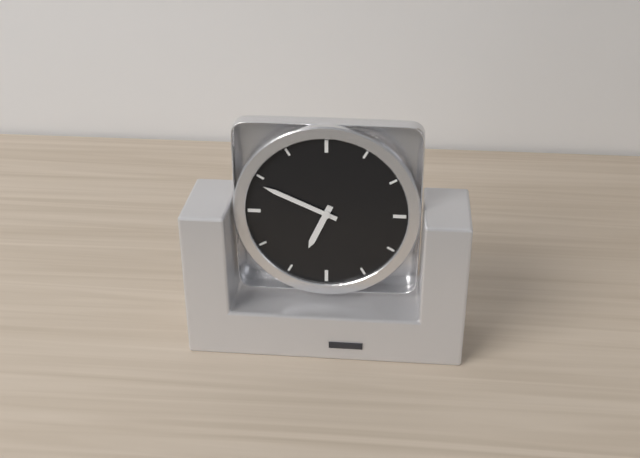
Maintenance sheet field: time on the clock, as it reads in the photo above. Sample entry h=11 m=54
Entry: h=6 m=49
